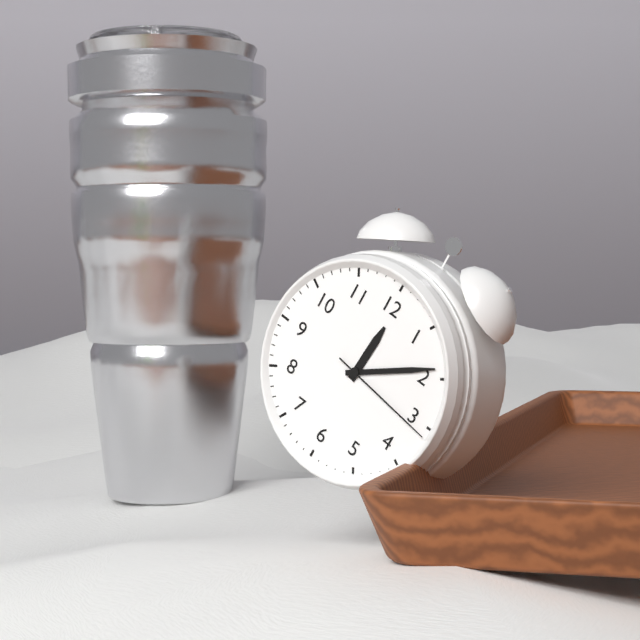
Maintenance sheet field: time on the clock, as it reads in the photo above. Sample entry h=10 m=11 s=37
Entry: h=12 m=9 s=16
